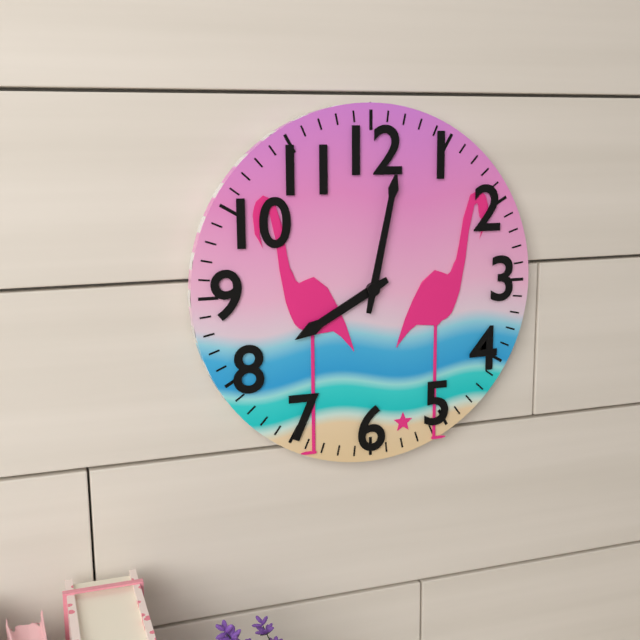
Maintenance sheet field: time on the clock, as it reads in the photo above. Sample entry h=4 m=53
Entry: h=8 m=2
